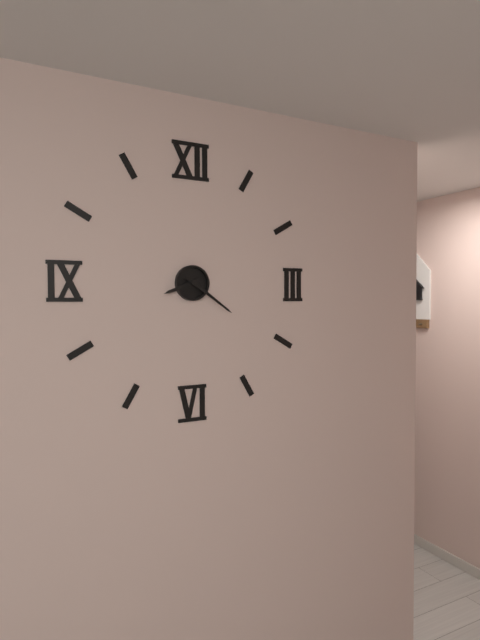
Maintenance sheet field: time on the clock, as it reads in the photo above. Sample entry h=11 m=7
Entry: h=8 m=21
